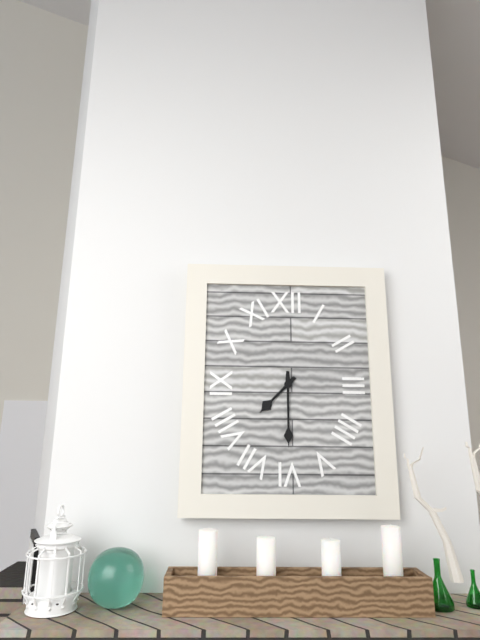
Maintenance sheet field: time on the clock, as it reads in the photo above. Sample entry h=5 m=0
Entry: h=7 m=30
